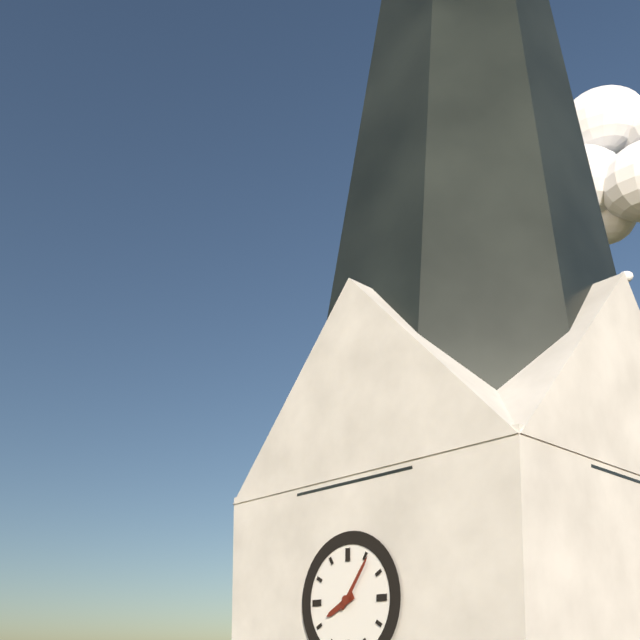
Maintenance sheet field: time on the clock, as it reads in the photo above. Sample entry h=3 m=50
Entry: h=8 m=6
